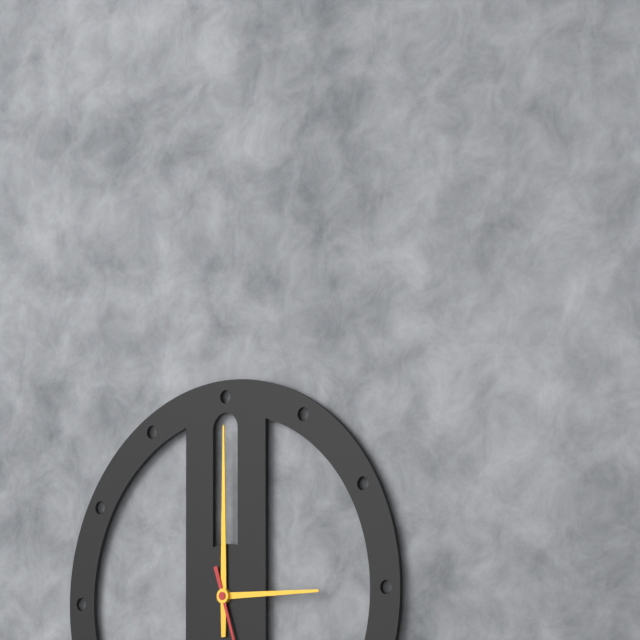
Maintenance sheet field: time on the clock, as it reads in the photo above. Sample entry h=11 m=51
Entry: h=3 m=0
